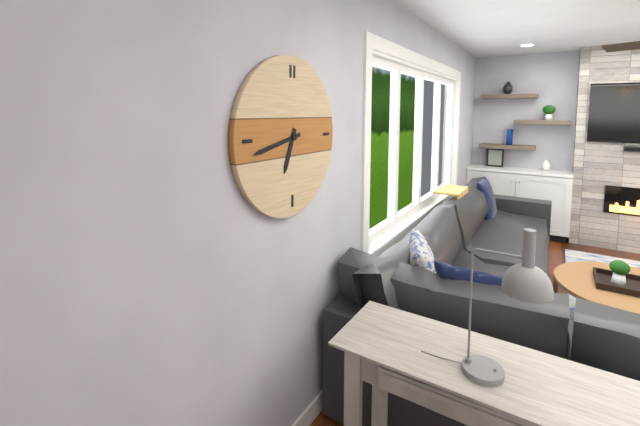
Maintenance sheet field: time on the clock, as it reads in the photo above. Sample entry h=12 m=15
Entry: h=6 m=43
